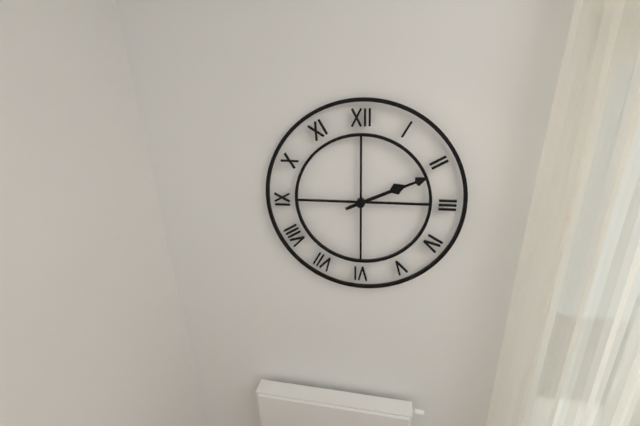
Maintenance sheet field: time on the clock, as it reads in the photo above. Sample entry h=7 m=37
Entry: h=2 m=11
